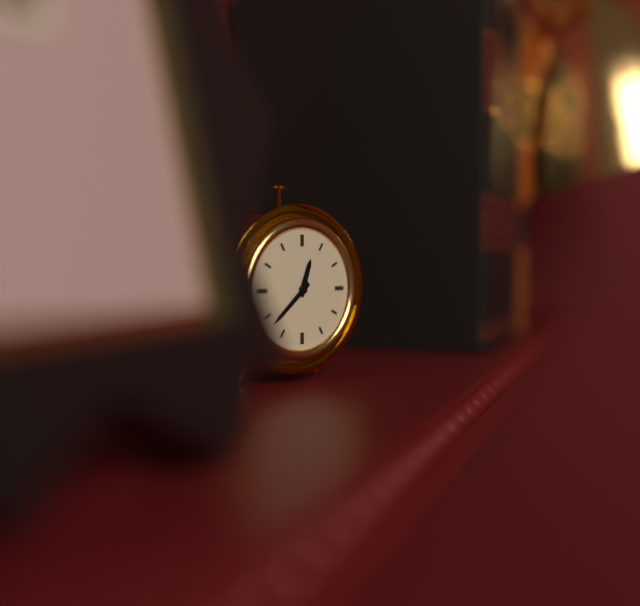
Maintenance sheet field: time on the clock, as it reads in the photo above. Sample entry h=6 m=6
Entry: h=12 m=38
